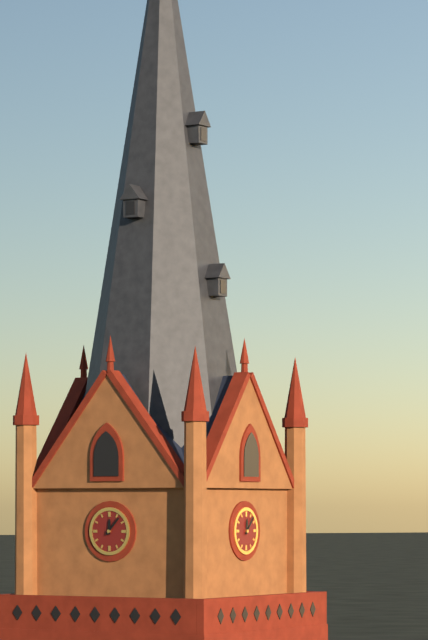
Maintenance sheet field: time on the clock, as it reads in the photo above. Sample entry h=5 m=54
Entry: h=12 m=7
